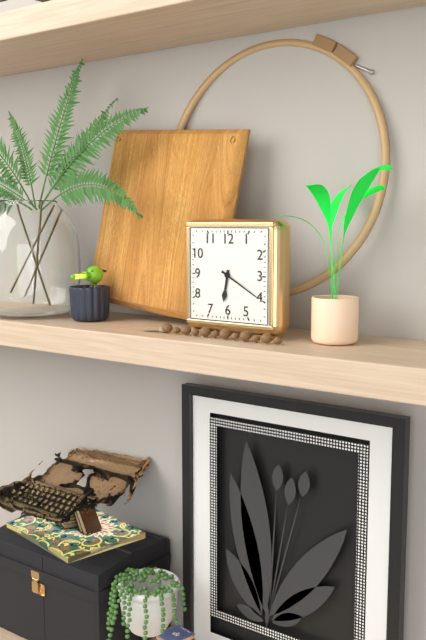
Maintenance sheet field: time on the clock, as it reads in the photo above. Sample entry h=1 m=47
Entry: h=6 m=20
